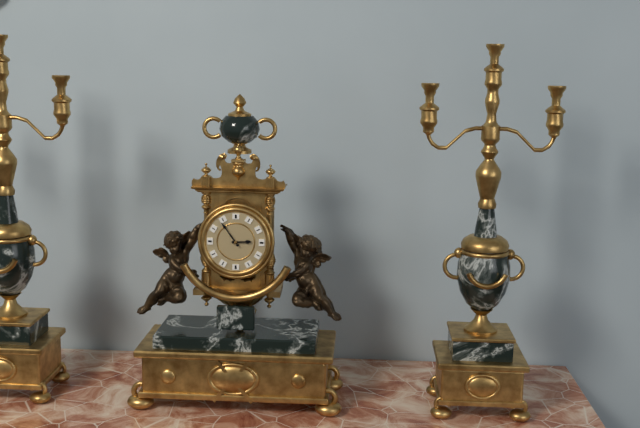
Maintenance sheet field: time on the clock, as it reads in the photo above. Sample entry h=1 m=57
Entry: h=2 m=54
